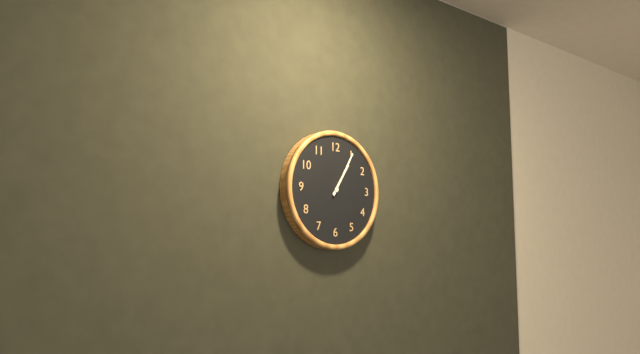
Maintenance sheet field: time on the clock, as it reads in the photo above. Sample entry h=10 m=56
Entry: h=1 m=5
